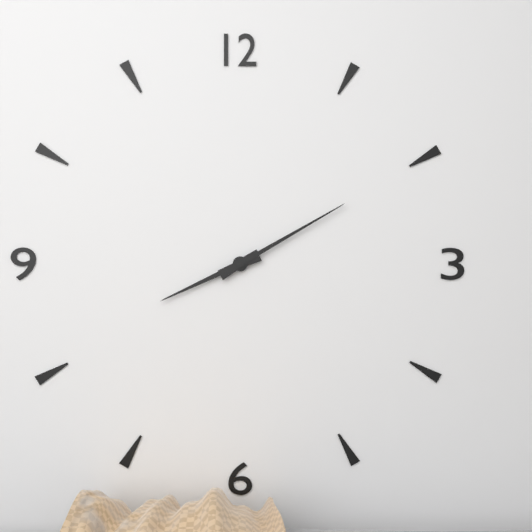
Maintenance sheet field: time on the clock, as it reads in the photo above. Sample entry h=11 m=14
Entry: h=8 m=10
